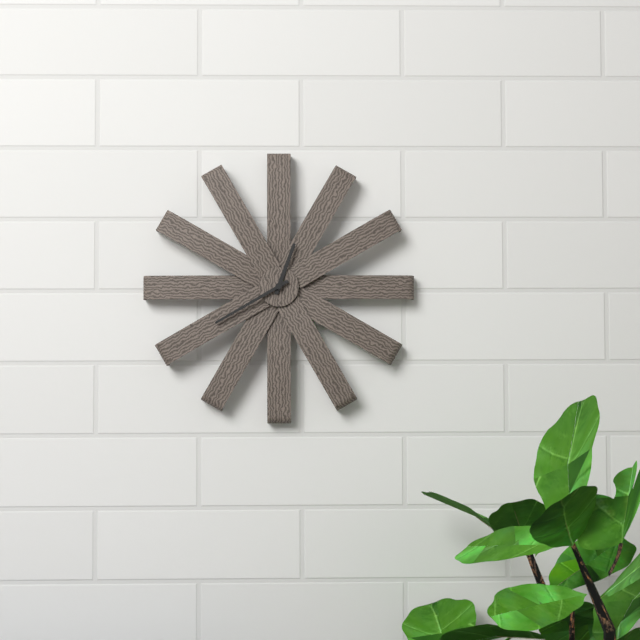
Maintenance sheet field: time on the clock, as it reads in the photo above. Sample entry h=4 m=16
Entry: h=12 m=40
